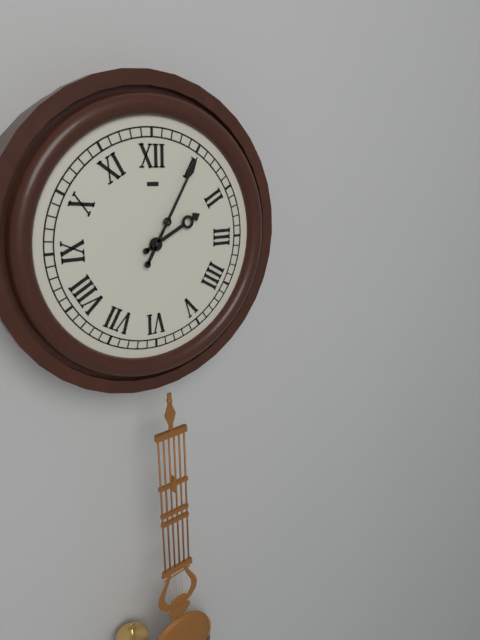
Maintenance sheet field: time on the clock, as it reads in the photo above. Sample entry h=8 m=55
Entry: h=2 m=5
